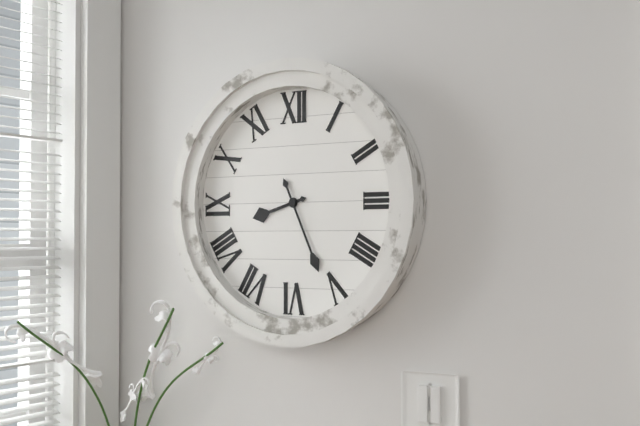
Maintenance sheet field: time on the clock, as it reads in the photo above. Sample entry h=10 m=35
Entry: h=8 m=26
